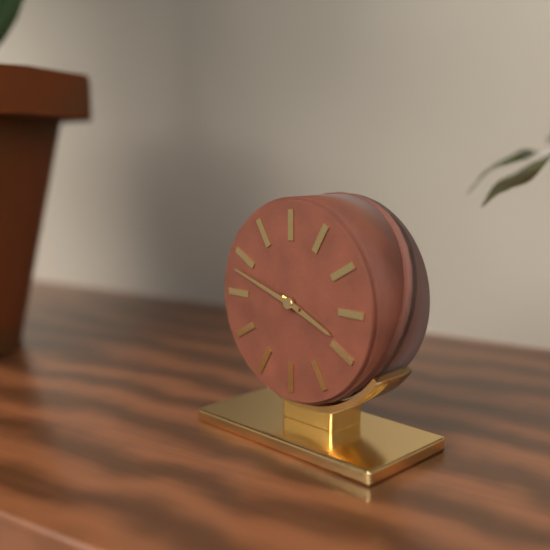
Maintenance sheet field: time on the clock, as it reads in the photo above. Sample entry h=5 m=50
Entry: h=3 m=48
